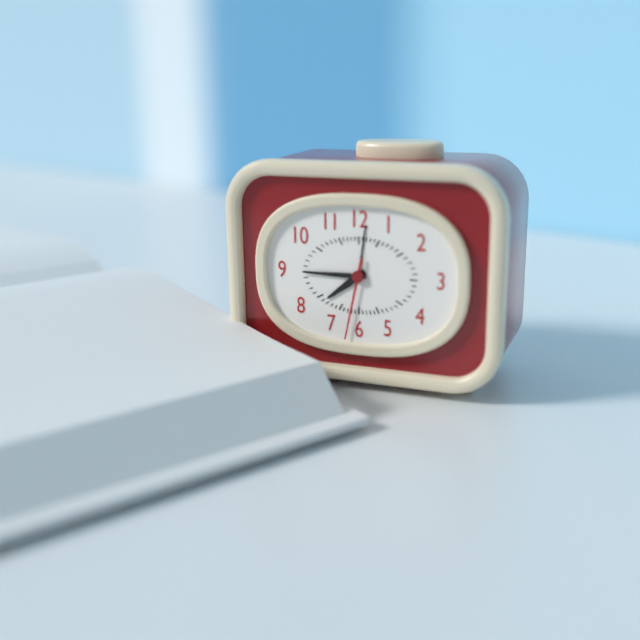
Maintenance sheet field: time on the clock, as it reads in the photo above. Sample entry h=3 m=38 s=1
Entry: h=7 m=45 s=32
